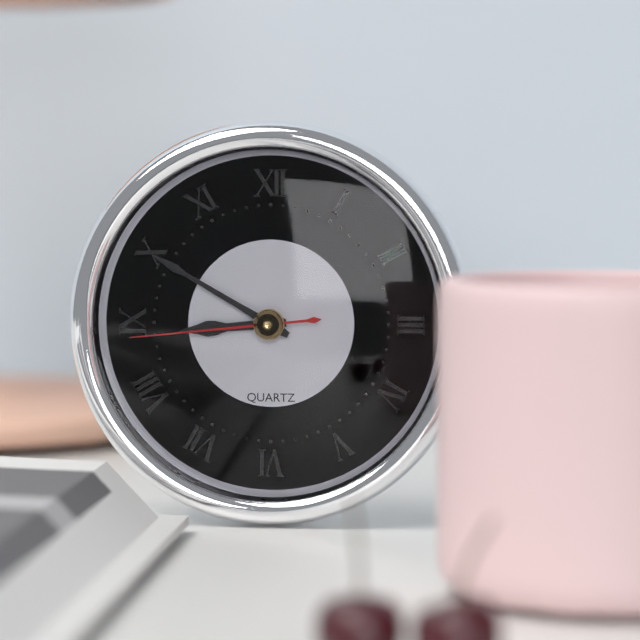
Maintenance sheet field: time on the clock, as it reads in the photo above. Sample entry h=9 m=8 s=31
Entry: h=8 m=50 s=44
